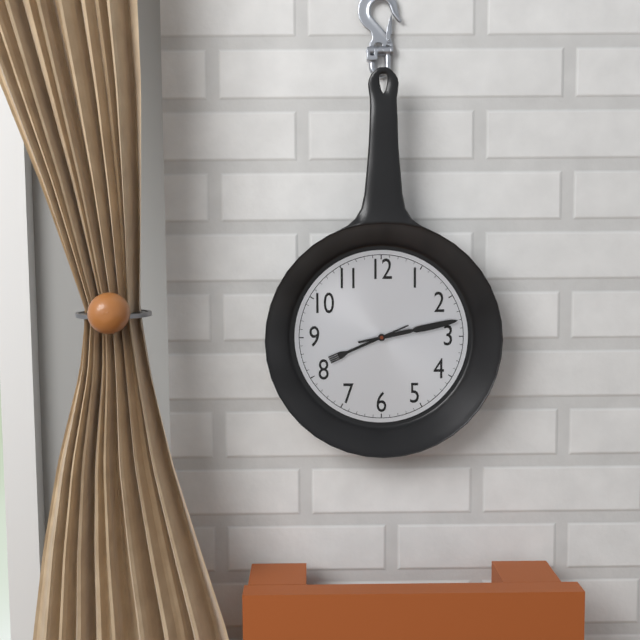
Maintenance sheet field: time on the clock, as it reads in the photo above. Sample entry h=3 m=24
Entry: h=8 m=13
